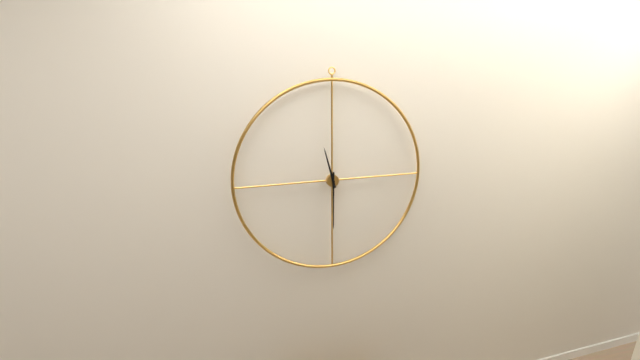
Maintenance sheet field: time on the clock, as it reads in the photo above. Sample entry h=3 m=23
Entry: h=11 m=30
